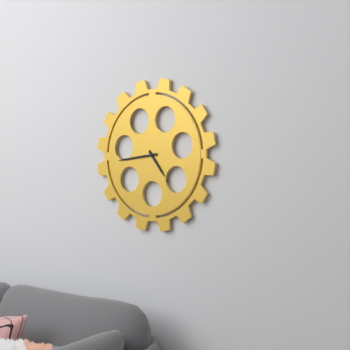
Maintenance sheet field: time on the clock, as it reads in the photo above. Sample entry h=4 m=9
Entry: h=4 m=44
